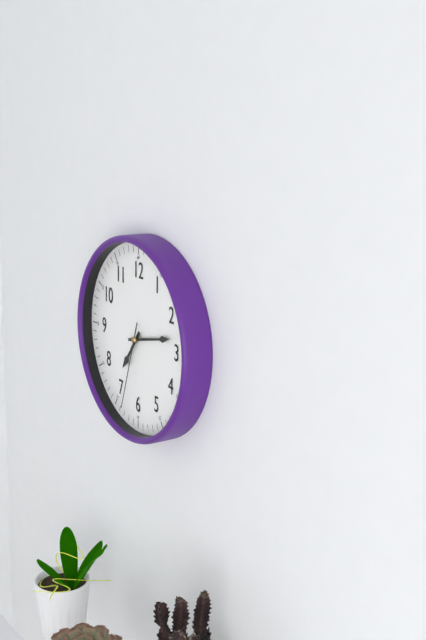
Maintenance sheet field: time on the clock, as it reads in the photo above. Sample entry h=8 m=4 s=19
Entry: h=7 m=13 s=33
